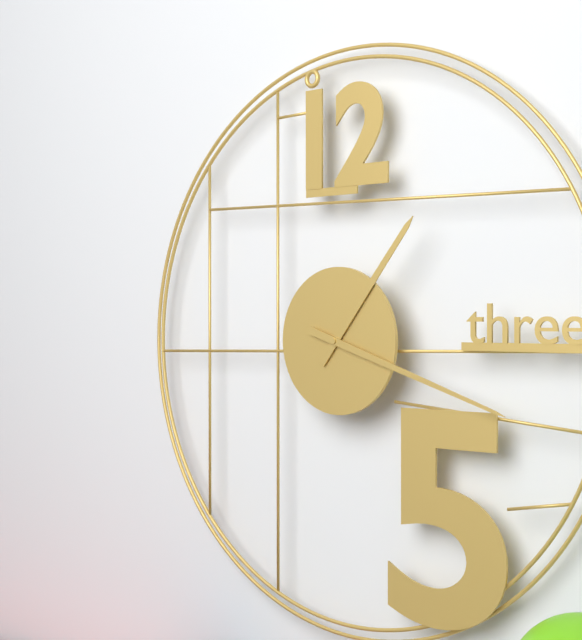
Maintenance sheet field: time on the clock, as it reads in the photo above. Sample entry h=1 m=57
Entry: h=1 m=18
